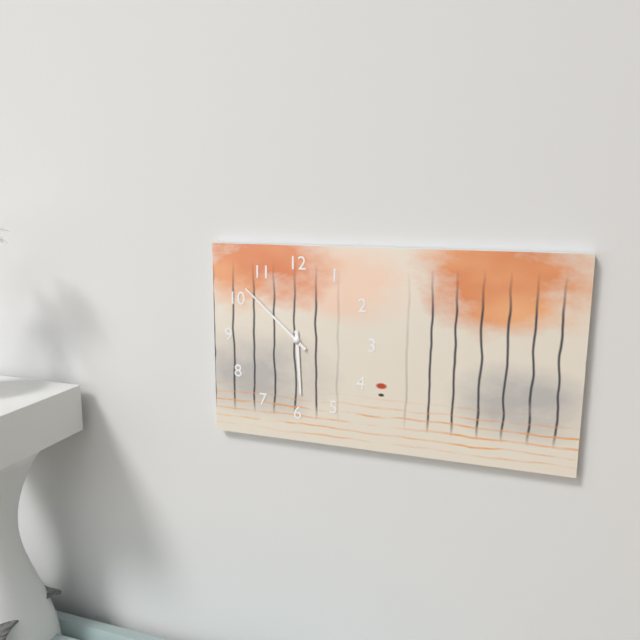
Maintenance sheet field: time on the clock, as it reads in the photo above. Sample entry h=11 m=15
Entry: h=5 m=52
